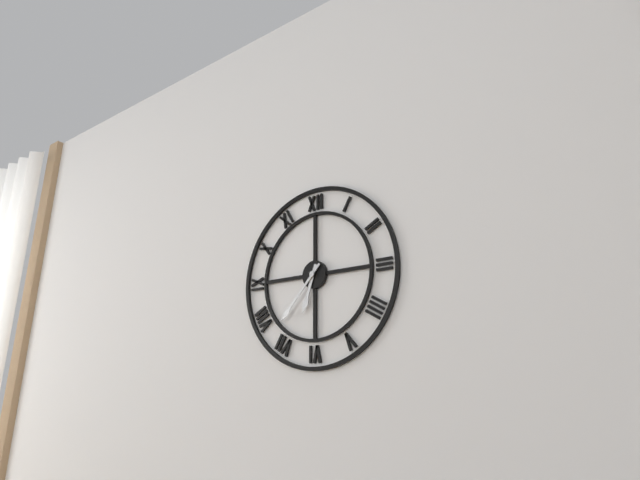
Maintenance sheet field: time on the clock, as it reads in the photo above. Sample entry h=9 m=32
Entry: h=6 m=37
